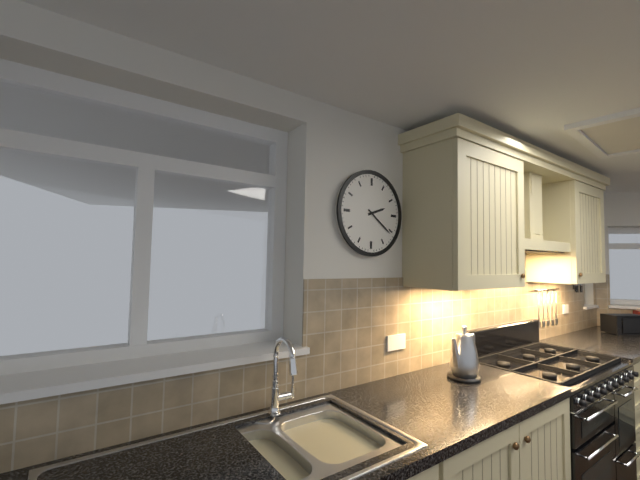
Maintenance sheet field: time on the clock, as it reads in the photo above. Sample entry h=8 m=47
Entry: h=2 m=21
